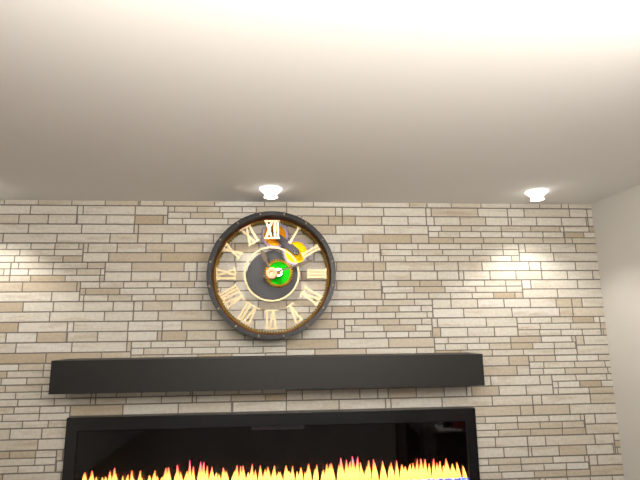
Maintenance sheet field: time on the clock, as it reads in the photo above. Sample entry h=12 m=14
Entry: h=11 m=12
